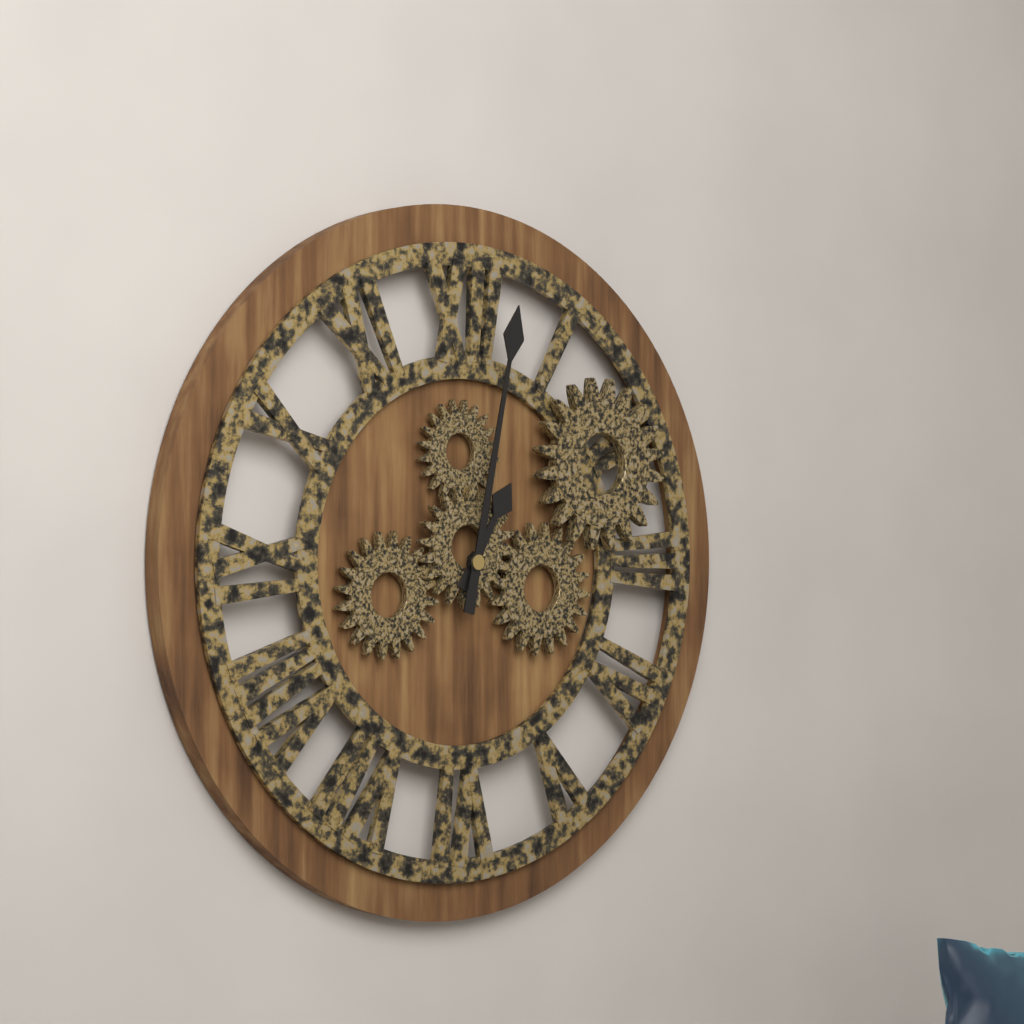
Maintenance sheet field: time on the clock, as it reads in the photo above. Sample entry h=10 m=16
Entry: h=1 m=2
